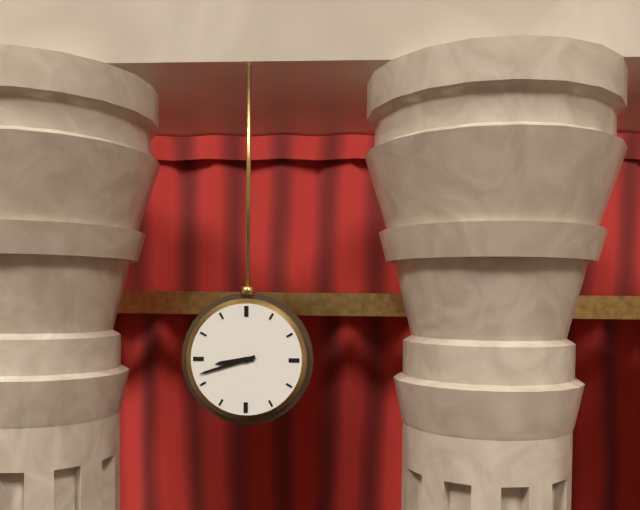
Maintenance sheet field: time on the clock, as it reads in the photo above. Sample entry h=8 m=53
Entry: h=8 m=42
